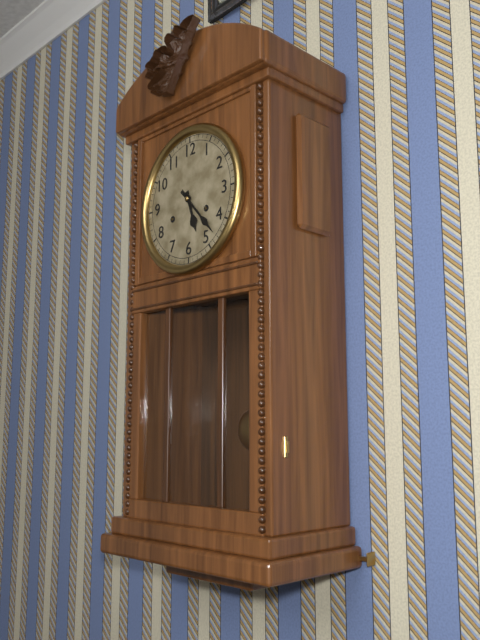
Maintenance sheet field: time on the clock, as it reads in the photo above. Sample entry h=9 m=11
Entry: h=5 m=23
